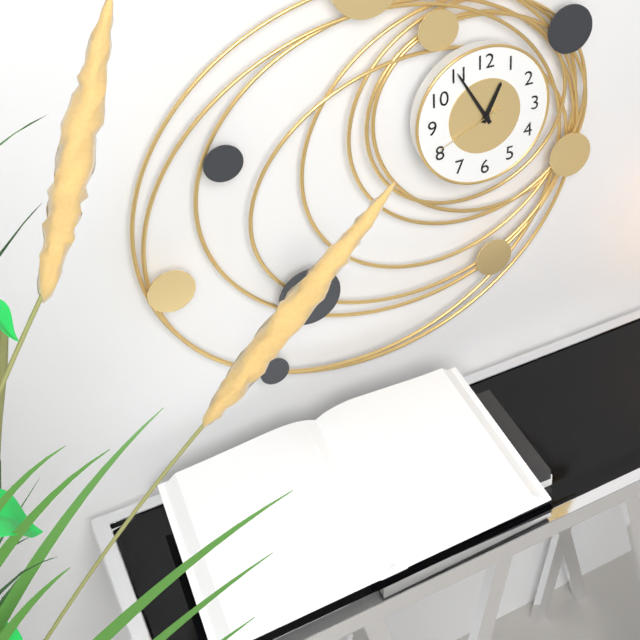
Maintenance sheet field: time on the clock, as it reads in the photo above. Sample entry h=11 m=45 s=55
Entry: h=12 m=55 s=41
